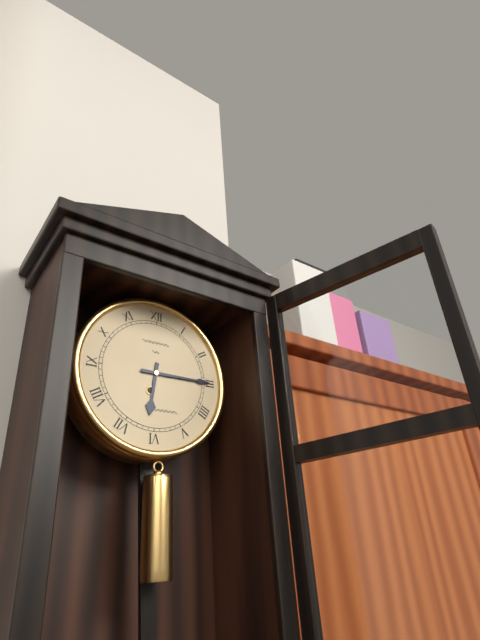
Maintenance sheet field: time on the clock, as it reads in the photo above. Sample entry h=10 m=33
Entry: h=6 m=15
